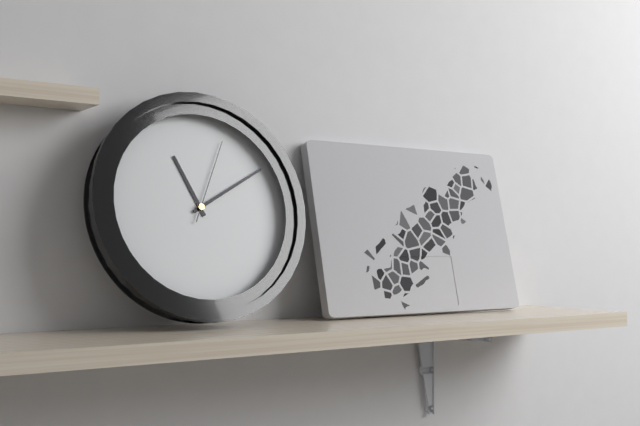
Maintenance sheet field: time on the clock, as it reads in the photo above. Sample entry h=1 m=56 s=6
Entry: h=11 m=10 s=4
